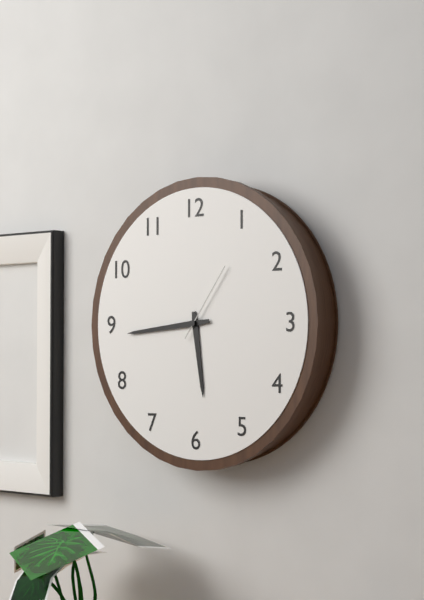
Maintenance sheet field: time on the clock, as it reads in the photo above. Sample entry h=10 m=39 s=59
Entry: h=5 m=44 s=6
